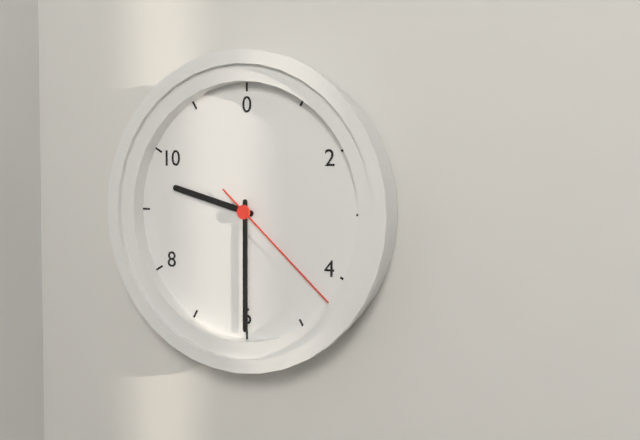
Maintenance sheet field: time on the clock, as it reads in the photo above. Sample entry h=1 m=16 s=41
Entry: h=9 m=30 s=22
